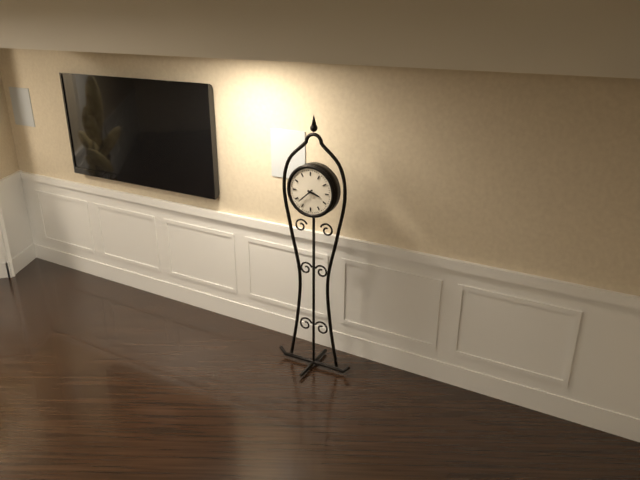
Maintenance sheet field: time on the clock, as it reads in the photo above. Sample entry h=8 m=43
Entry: h=3 m=38
